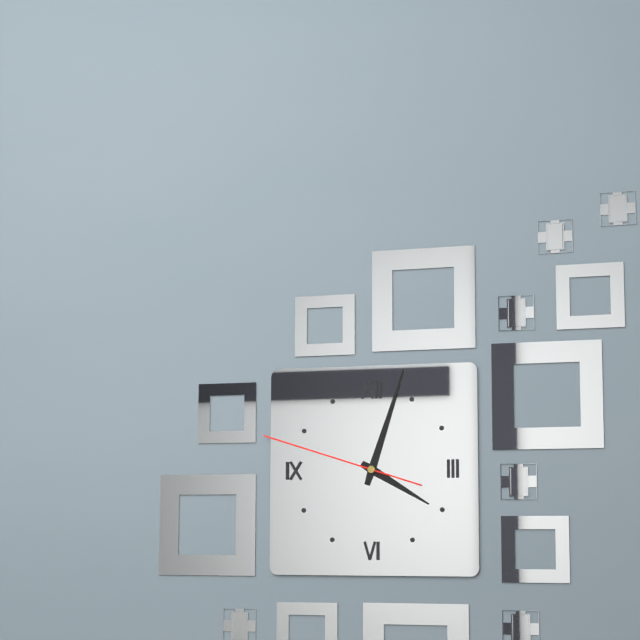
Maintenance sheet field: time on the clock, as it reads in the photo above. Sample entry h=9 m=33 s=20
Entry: h=4 m=3 s=48
